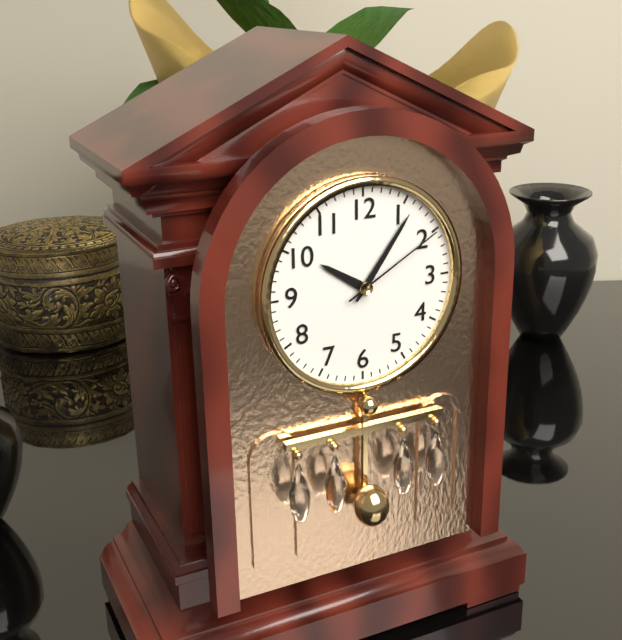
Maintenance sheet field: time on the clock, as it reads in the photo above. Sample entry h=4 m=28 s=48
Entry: h=10 m=6 s=10
